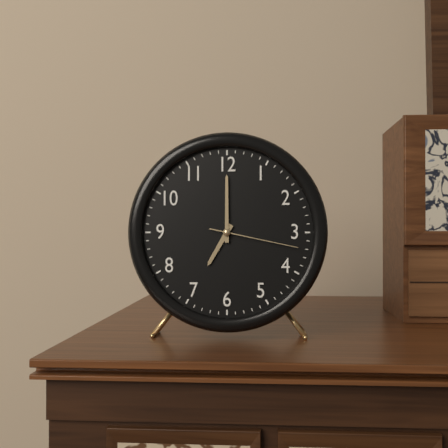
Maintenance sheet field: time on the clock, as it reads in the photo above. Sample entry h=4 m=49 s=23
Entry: h=7 m=0 s=17
